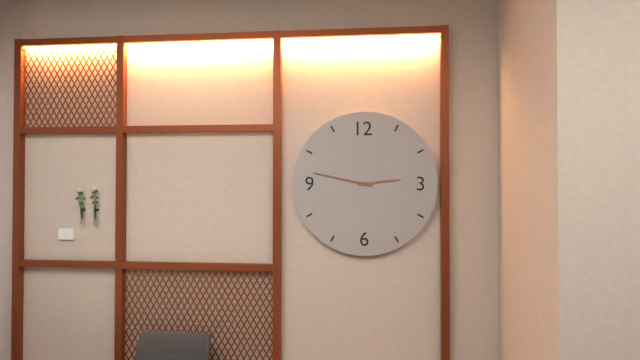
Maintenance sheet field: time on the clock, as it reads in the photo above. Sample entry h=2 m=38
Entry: h=2 m=47
